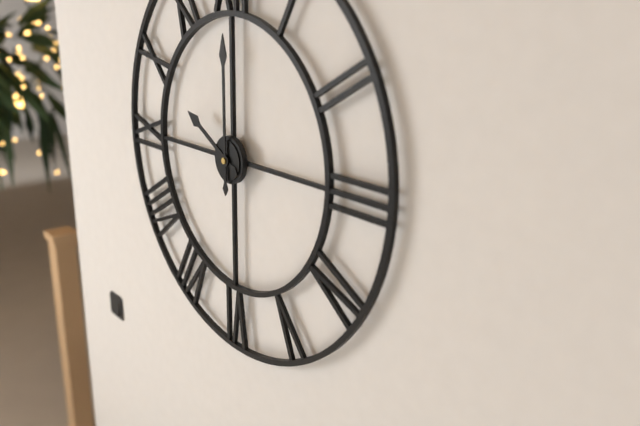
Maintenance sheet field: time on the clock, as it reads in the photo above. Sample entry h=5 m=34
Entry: h=10 m=0
